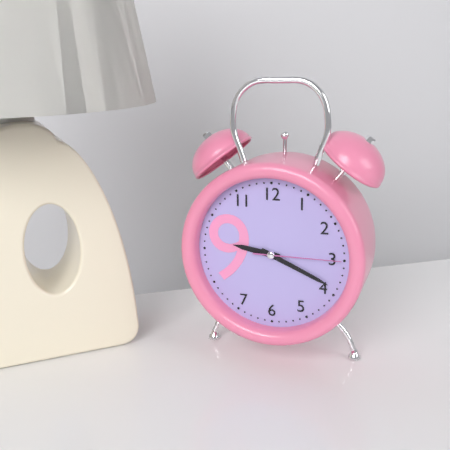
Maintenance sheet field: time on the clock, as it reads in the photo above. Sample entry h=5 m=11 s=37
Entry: h=9 m=19 s=15
